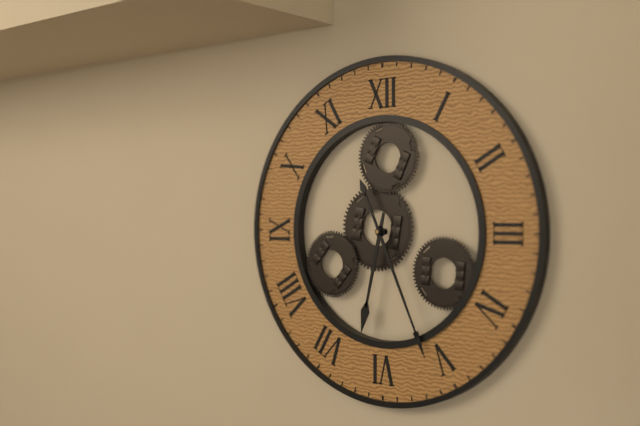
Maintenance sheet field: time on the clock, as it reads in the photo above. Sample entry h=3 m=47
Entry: h=6 m=26
